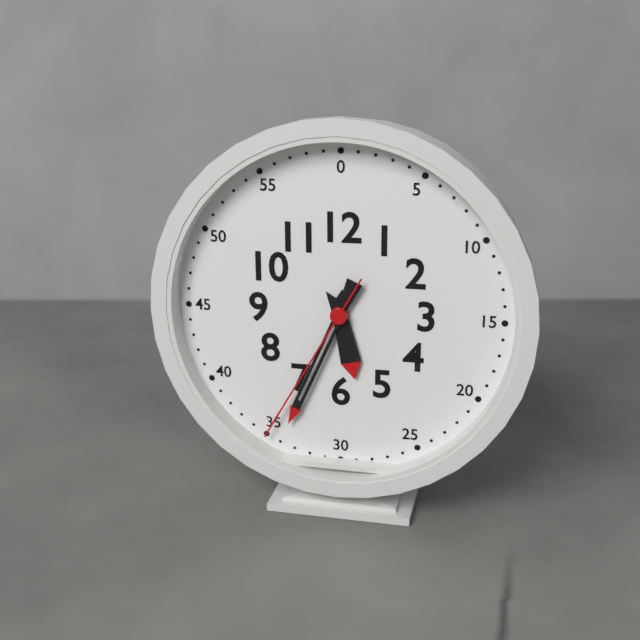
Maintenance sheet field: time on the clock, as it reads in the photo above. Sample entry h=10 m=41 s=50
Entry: h=5 m=34 s=35
